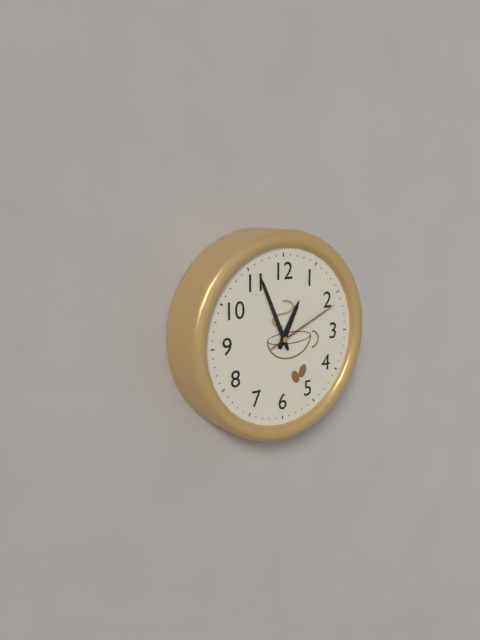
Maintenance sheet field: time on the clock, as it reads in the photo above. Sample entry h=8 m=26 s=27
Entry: h=12 m=56 s=11
